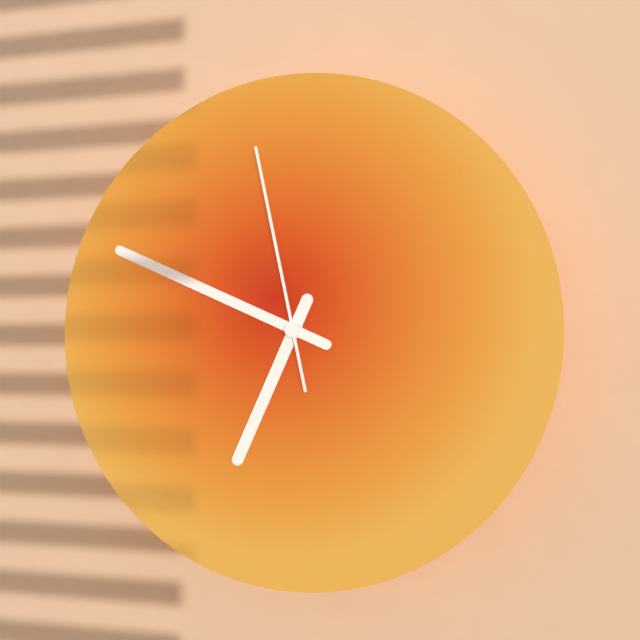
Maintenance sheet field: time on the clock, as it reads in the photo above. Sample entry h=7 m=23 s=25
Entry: h=6 m=49 s=58
